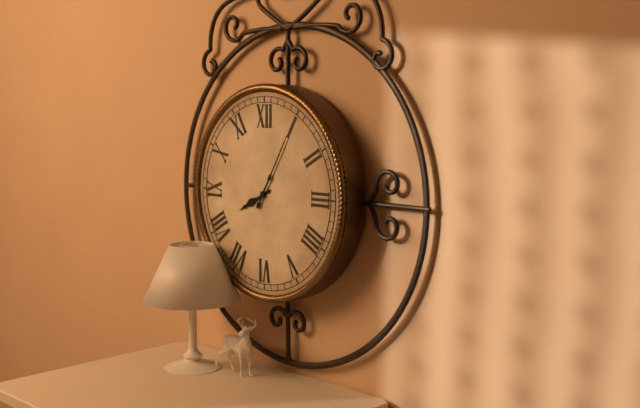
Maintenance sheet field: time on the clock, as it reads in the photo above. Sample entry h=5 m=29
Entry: h=8 m=5
